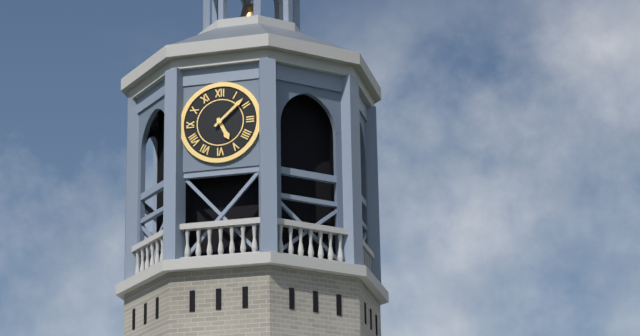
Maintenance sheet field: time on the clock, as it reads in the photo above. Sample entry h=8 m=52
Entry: h=5 m=8
